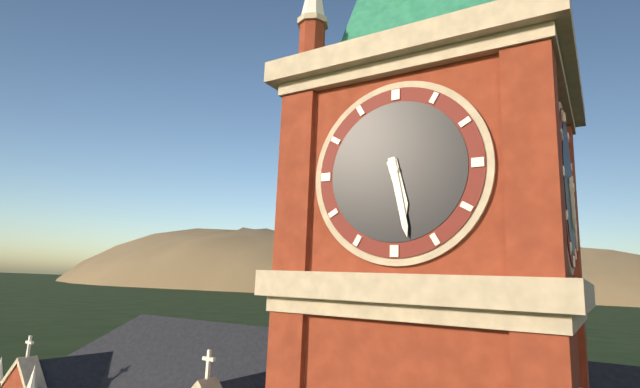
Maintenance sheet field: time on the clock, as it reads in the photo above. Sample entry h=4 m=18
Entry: h=5 m=28
